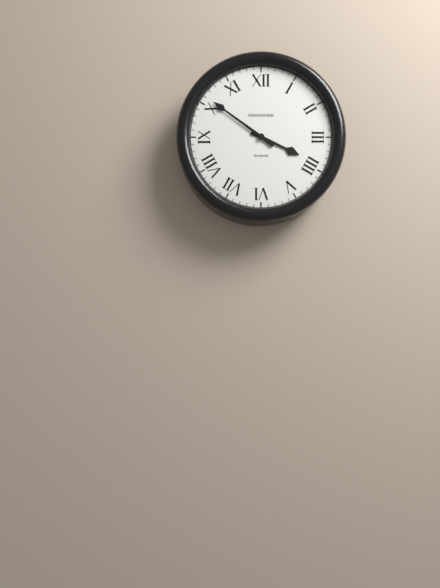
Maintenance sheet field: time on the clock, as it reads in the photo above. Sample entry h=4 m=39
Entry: h=3 m=51
